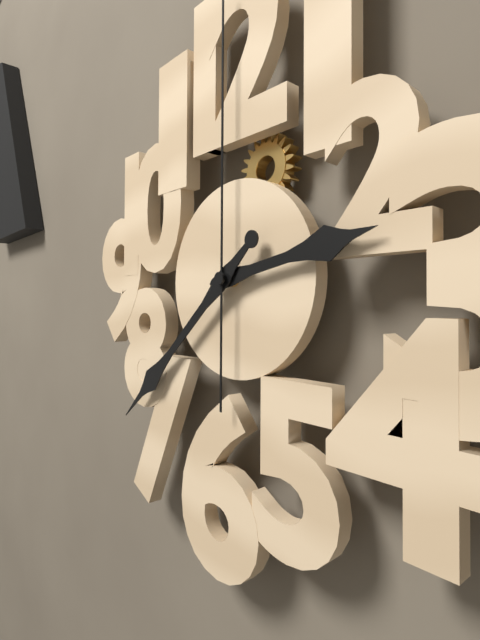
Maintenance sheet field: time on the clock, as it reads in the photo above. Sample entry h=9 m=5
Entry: h=2 m=38
